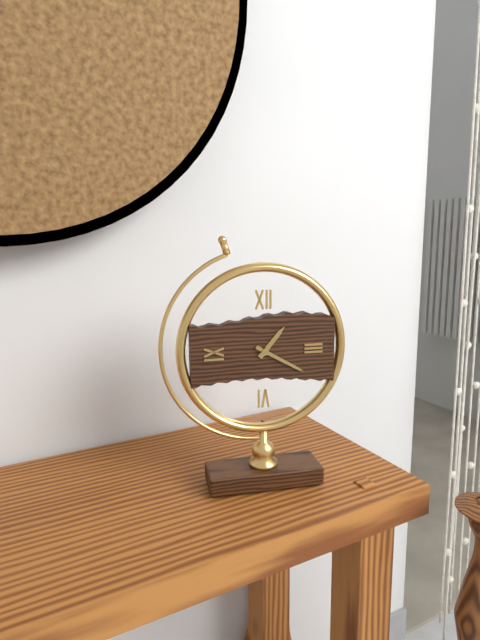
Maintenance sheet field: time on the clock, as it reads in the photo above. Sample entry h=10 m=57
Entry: h=1 m=20
